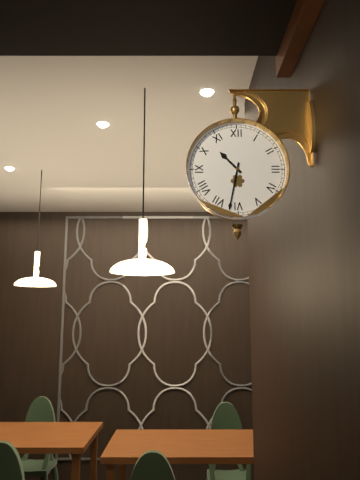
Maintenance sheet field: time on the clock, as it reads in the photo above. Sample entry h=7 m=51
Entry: h=10 m=32
